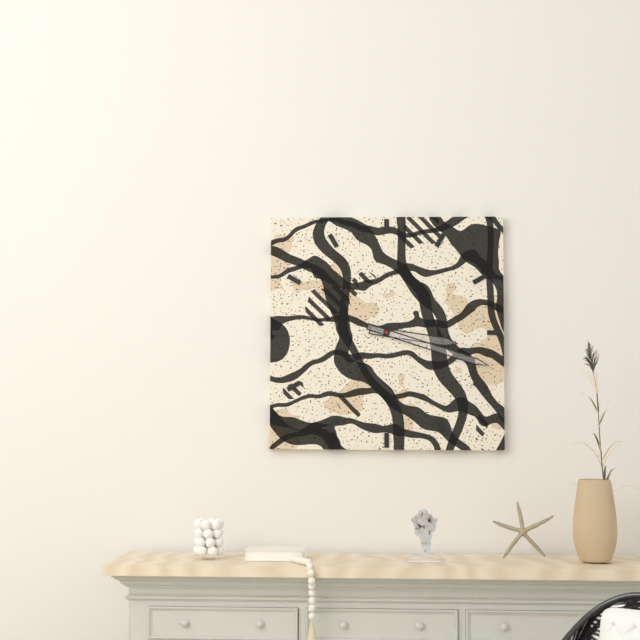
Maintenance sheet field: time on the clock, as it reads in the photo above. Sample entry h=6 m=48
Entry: h=3 m=18
